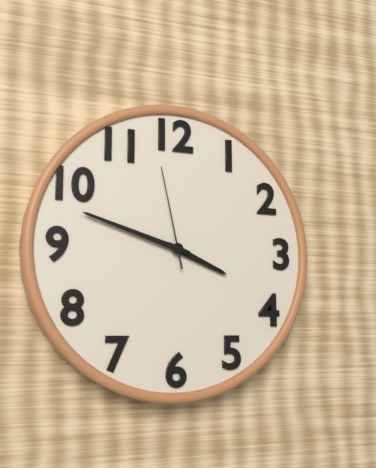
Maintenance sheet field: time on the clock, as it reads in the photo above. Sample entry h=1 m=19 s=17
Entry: h=3 m=48 s=58
